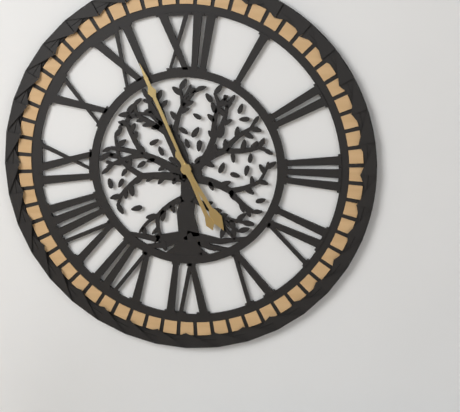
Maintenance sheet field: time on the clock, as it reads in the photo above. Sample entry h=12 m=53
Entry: h=4 m=56
